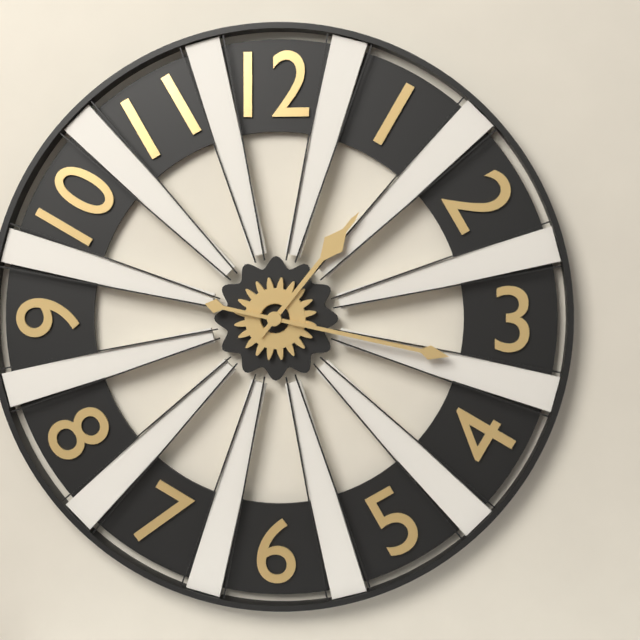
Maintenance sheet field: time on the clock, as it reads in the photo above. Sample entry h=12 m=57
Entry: h=1 m=17
